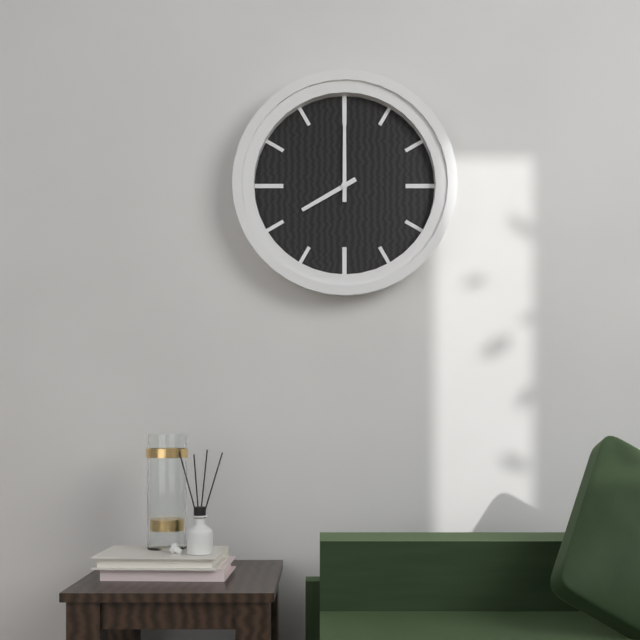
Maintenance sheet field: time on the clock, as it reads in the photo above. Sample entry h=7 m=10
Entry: h=8 m=0
